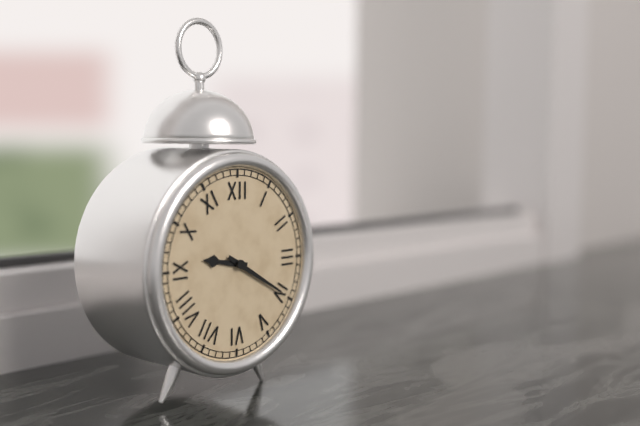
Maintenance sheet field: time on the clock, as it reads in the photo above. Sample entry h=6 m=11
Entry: h=9 m=20
